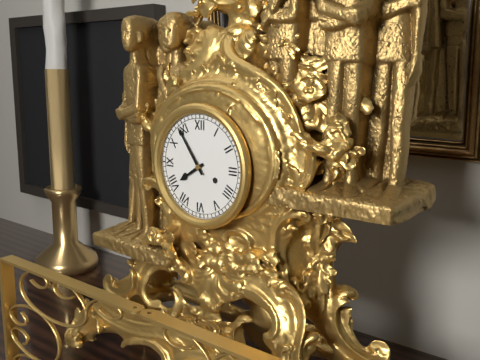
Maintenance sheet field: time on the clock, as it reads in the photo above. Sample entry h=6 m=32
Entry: h=7 m=54
